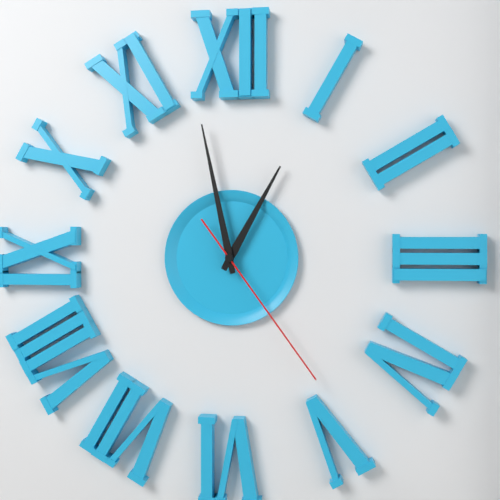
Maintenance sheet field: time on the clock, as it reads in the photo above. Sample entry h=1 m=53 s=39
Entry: h=12 m=58 s=24
